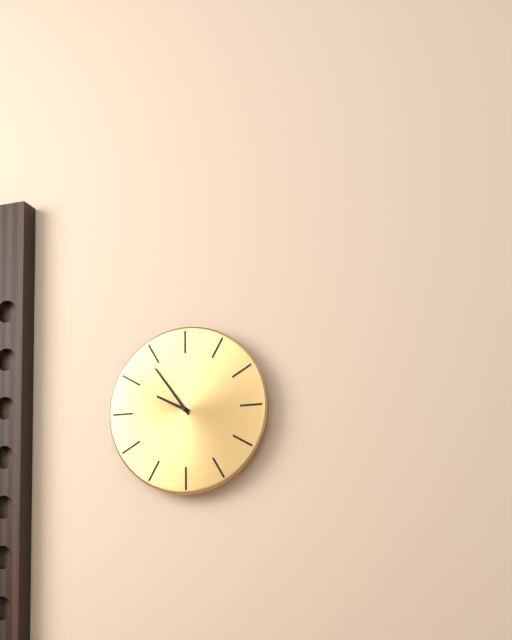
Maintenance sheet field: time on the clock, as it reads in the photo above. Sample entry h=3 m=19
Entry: h=9 m=54
